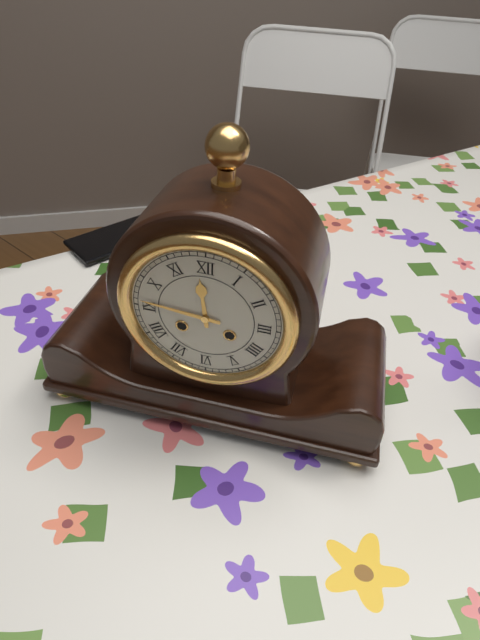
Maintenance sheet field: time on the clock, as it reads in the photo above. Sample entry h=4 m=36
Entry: h=11 m=46
